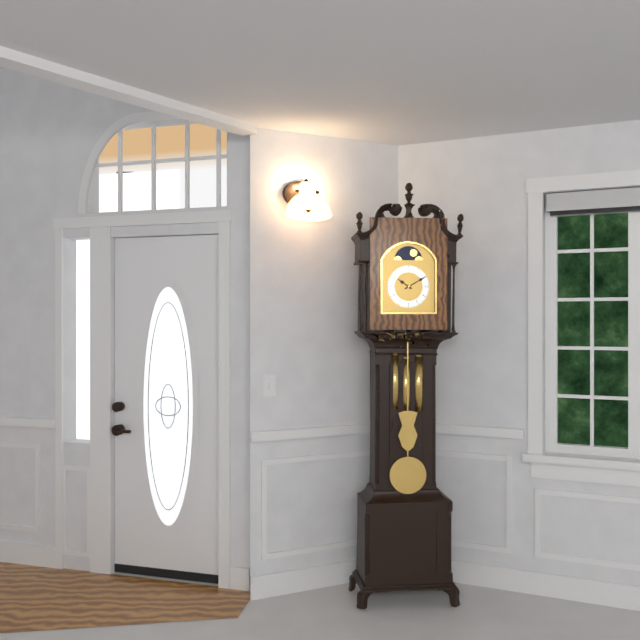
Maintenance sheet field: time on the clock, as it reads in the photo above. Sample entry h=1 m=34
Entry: h=10 m=10
